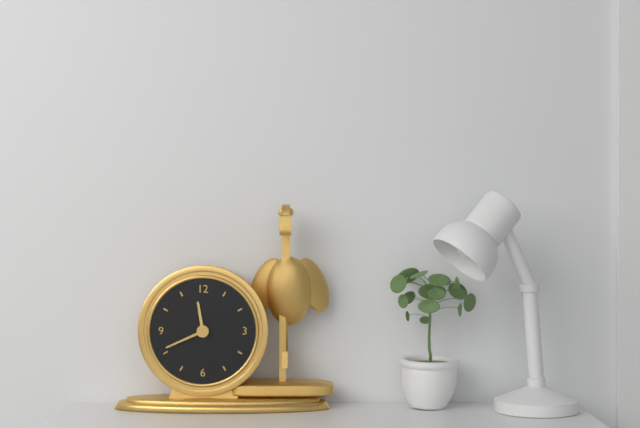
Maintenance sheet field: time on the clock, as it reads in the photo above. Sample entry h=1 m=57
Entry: h=11 m=41
